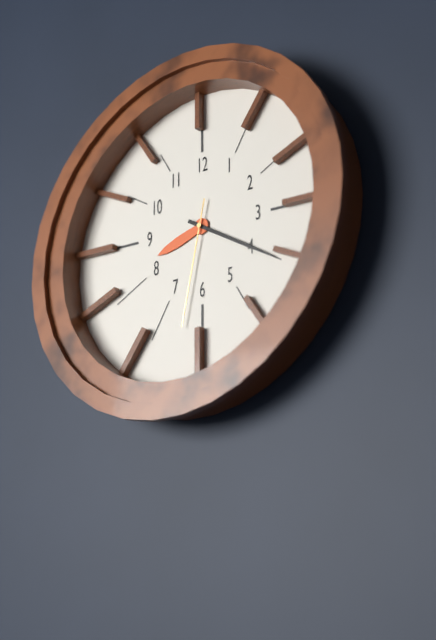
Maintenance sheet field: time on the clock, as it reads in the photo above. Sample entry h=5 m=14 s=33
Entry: h=8 m=20 s=32
